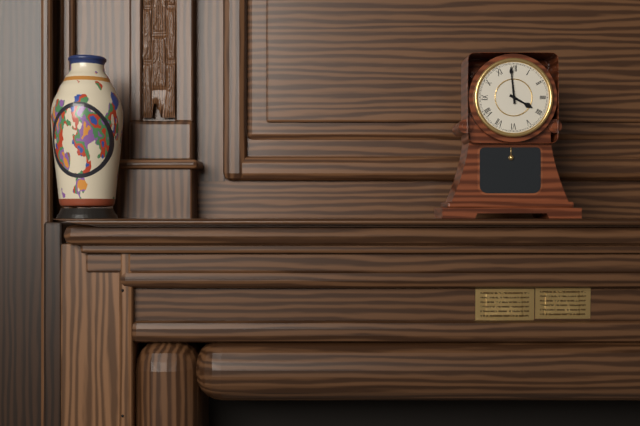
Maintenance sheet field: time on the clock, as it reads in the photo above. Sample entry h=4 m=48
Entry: h=3 m=59
